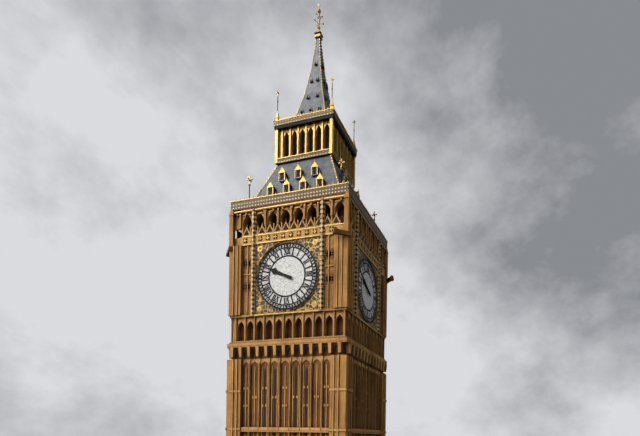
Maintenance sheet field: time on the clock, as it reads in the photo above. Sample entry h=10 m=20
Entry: h=9 m=49
